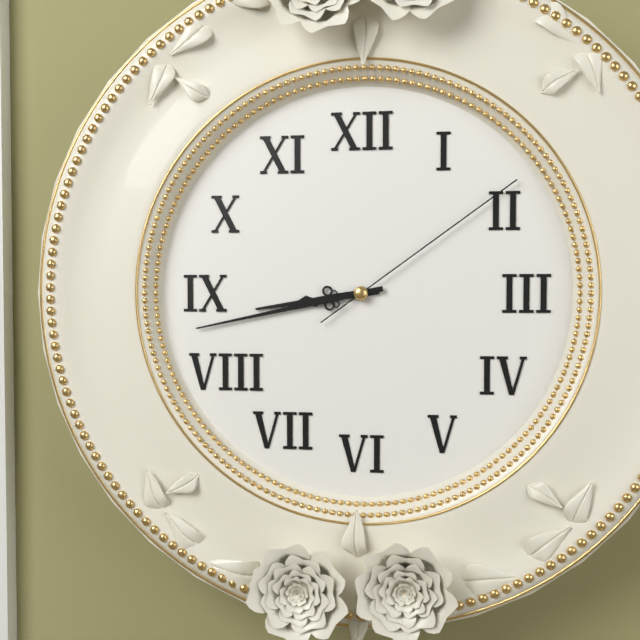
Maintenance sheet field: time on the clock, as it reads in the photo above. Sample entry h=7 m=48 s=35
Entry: h=8 m=43 s=9
